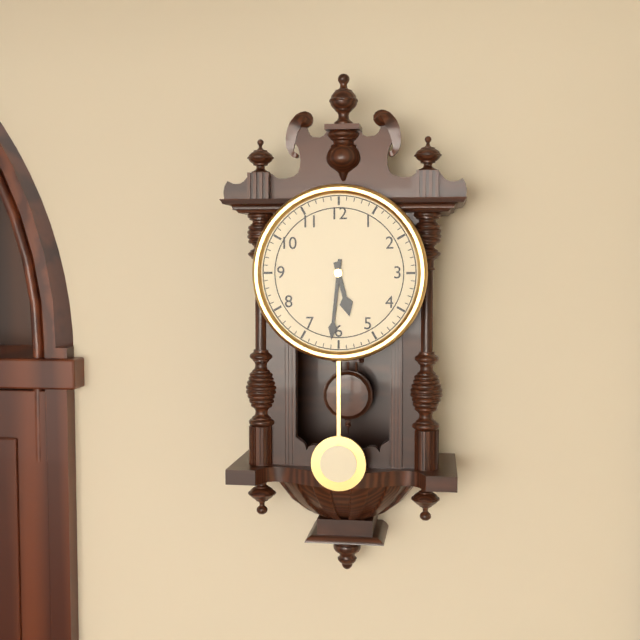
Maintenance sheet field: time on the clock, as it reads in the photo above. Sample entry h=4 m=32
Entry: h=5 m=31
